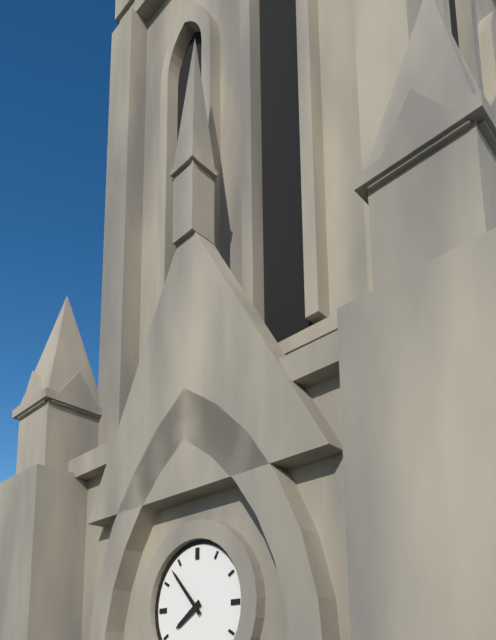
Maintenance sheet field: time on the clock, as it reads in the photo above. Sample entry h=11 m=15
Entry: h=7 m=53
